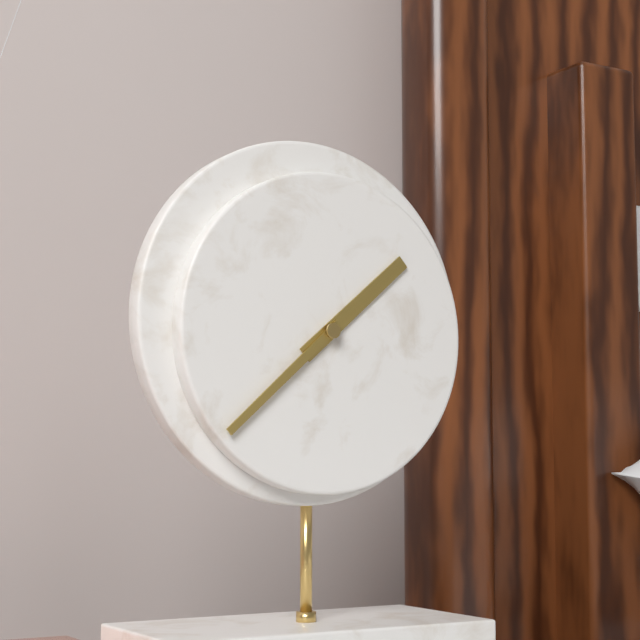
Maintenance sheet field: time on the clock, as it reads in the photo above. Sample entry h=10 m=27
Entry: h=1 m=38
